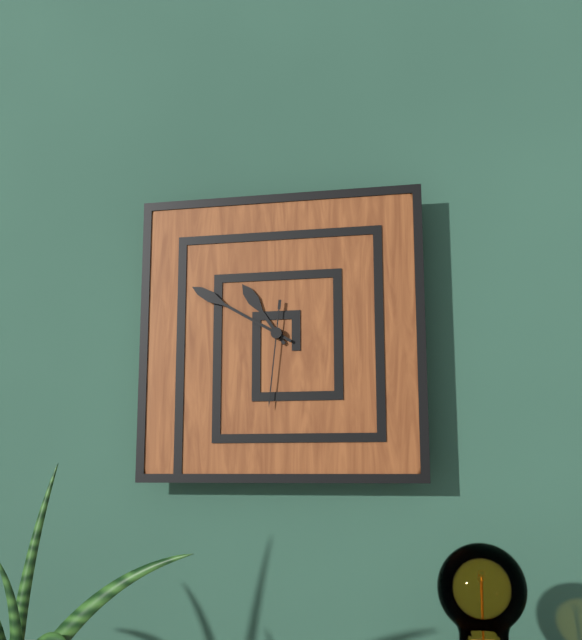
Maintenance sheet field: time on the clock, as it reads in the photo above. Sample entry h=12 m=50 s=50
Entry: h=10 m=50 s=31
